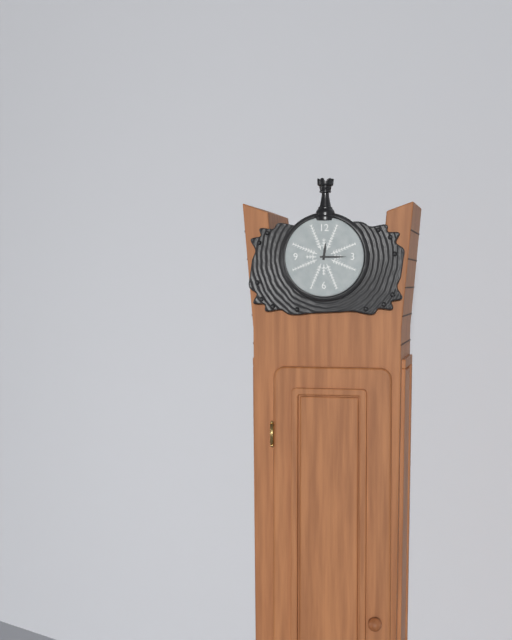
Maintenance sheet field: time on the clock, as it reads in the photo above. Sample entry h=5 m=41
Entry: h=12 m=15
